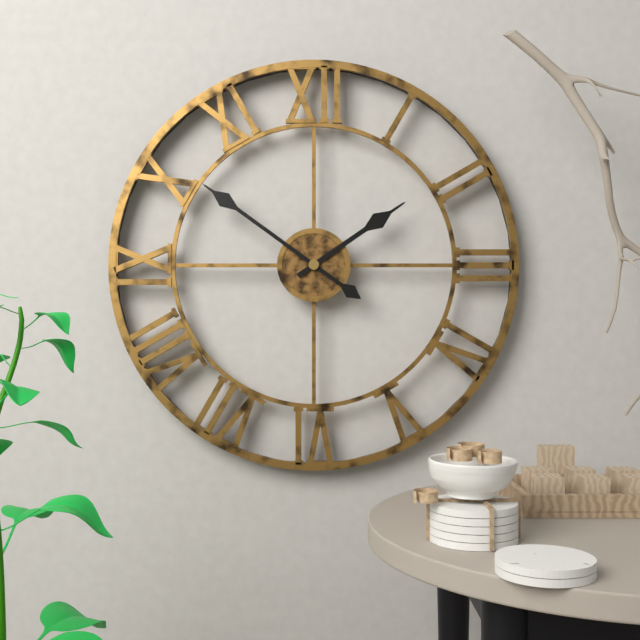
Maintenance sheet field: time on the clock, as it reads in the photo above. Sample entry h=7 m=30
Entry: h=1 m=51
